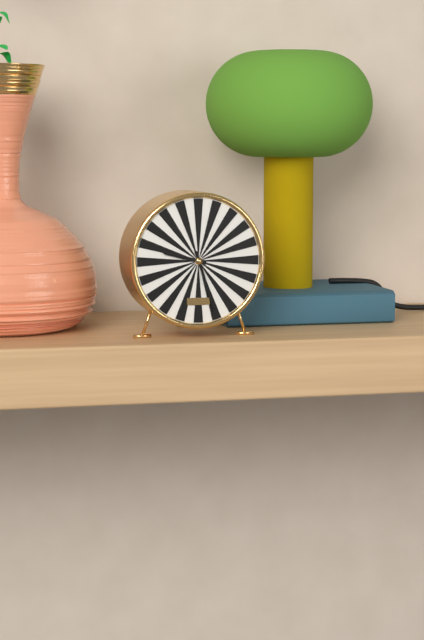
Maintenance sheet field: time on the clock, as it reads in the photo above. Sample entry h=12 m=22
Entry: h=9 m=27
